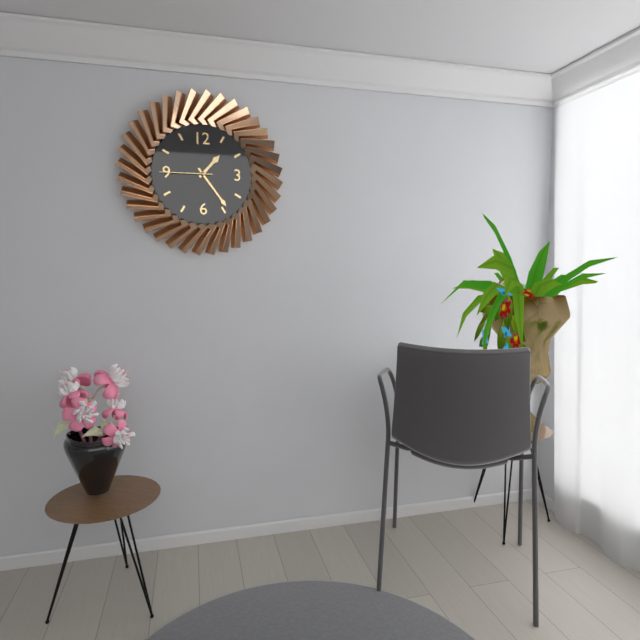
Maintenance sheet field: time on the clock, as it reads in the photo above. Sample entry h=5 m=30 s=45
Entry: h=1 m=24 s=45
